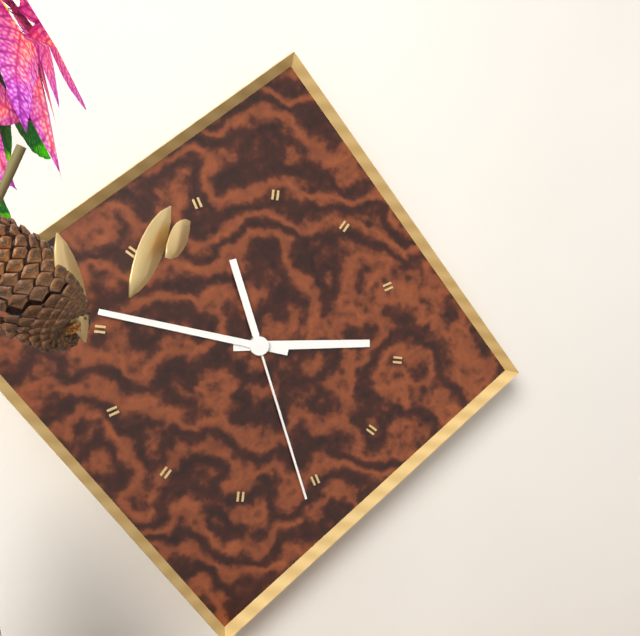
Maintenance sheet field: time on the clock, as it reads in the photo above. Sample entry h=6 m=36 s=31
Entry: h=2 m=46 s=26
